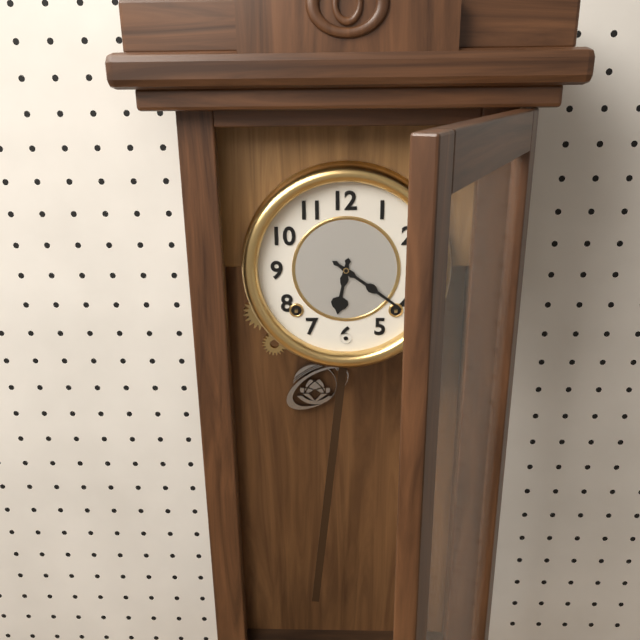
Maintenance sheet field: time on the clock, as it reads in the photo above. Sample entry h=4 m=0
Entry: h=6 m=21
